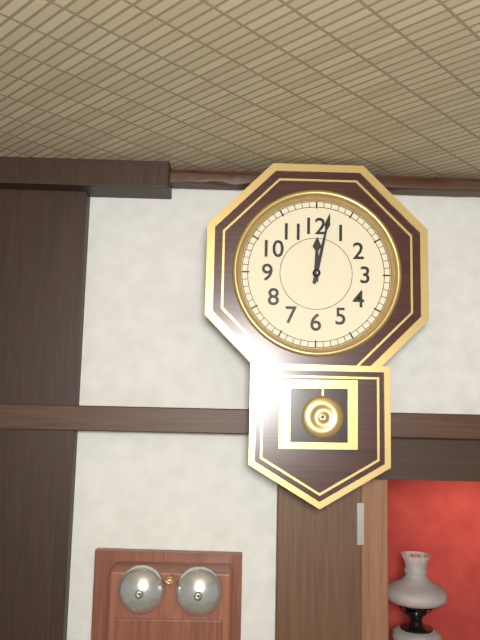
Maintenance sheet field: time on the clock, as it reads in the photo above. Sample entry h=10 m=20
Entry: h=12 m=2
